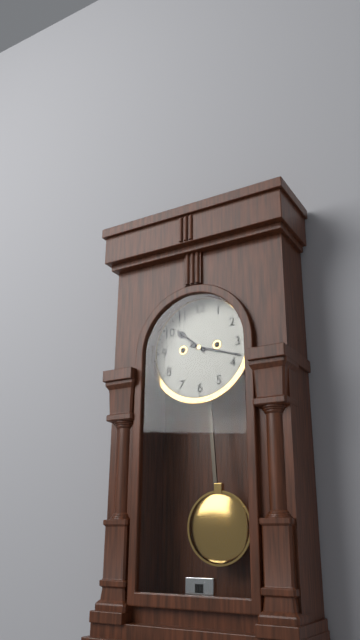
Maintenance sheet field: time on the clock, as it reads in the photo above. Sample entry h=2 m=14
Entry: h=10 m=18
